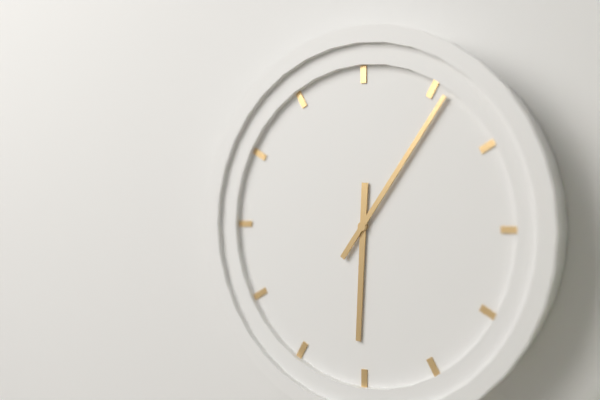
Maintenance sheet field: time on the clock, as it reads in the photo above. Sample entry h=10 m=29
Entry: h=6 m=6
